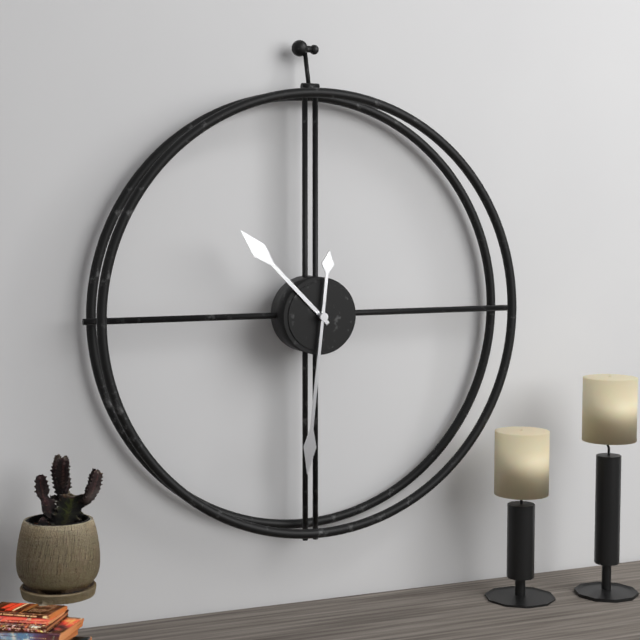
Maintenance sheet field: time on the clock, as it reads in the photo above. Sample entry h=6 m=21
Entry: h=10 m=31
